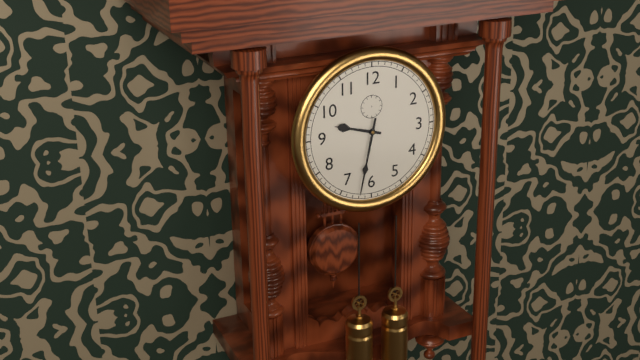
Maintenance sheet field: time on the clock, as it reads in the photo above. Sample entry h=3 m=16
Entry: h=9 m=32
